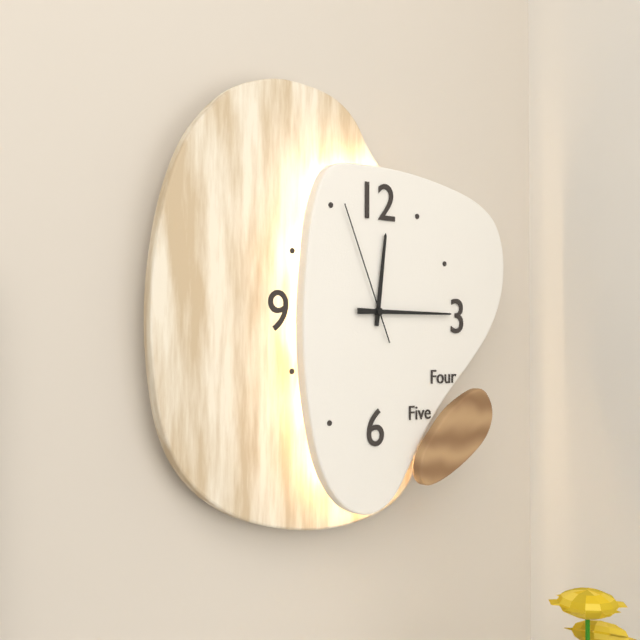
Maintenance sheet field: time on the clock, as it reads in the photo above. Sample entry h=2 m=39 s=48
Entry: h=12 m=15 s=56
